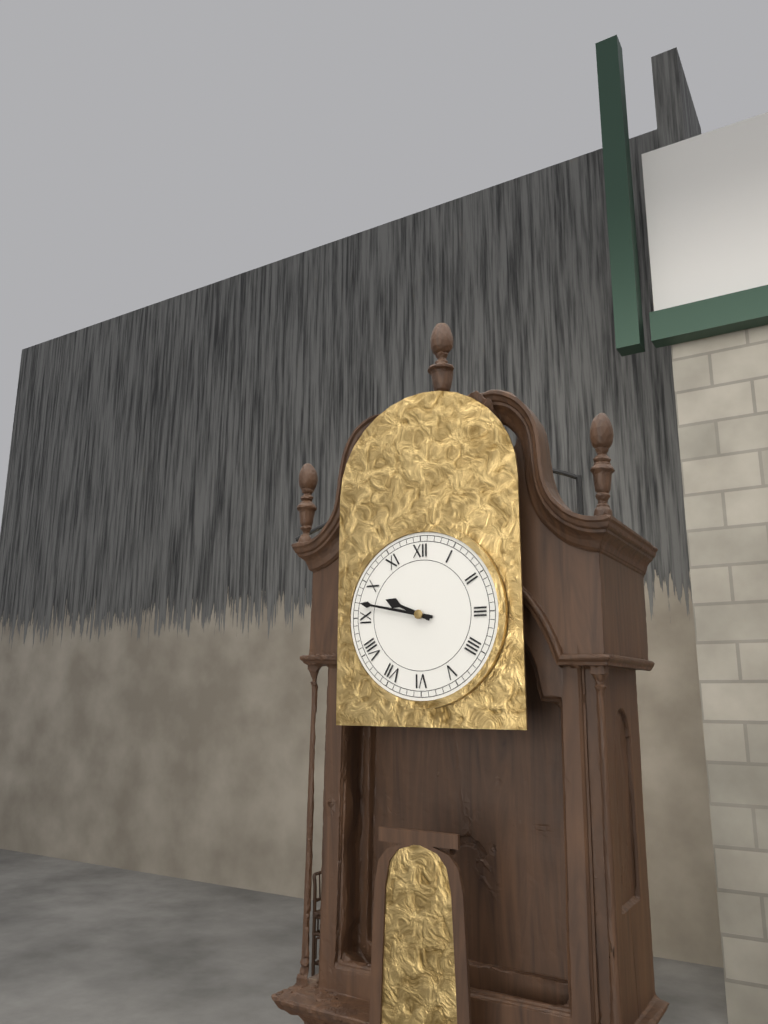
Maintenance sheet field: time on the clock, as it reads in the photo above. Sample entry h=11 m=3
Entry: h=9 m=47
